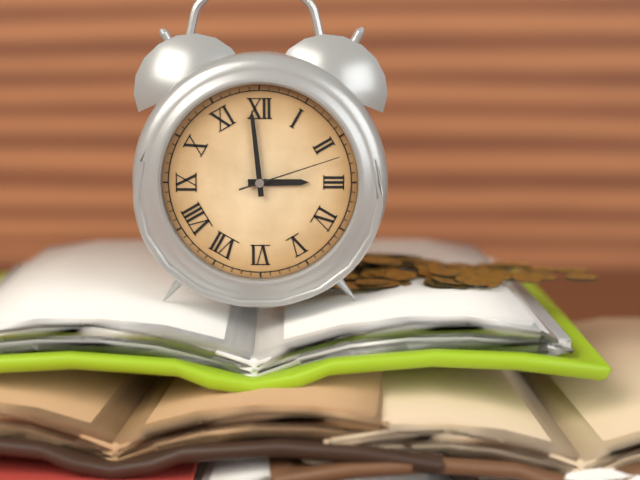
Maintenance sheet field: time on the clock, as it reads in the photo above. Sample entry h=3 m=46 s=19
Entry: h=2 m=59 s=12
